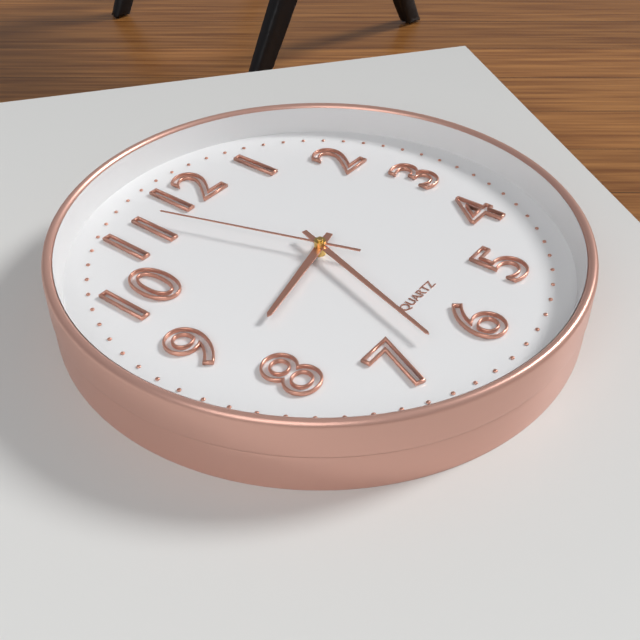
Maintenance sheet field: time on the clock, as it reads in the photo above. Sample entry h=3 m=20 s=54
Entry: h=8 m=33 s=57
